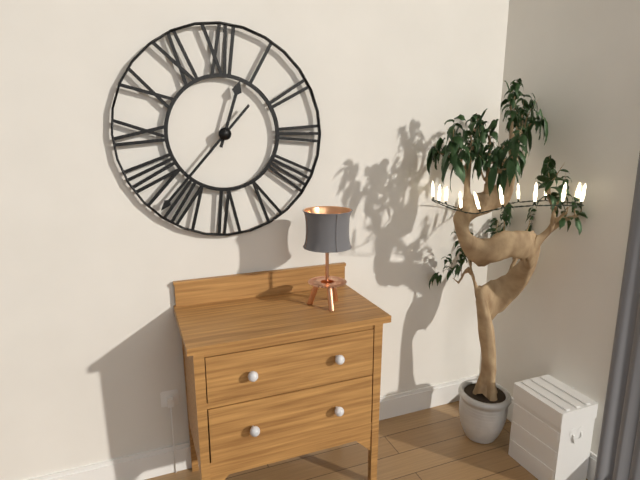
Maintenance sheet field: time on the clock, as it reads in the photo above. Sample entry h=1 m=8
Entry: h=12 m=37
